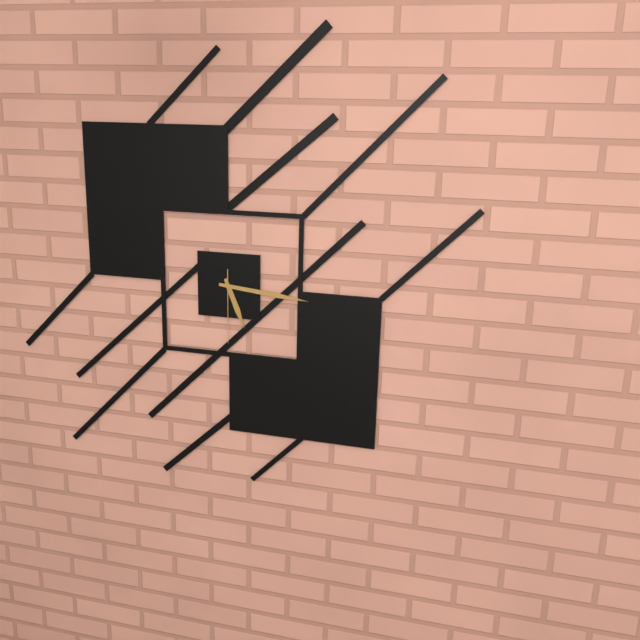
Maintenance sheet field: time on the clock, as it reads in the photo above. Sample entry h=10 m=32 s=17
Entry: h=5 m=16 s=30
